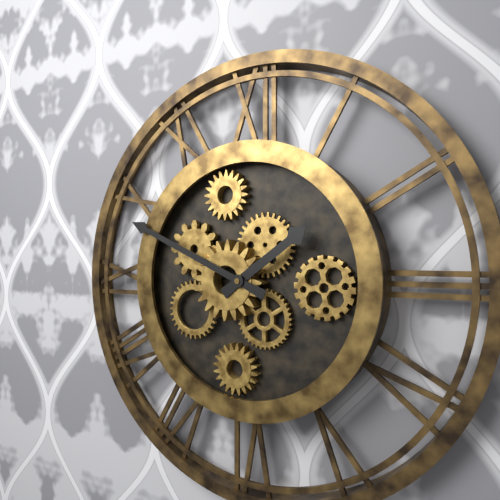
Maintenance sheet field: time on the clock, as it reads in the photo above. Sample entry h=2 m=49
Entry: h=1 m=49
